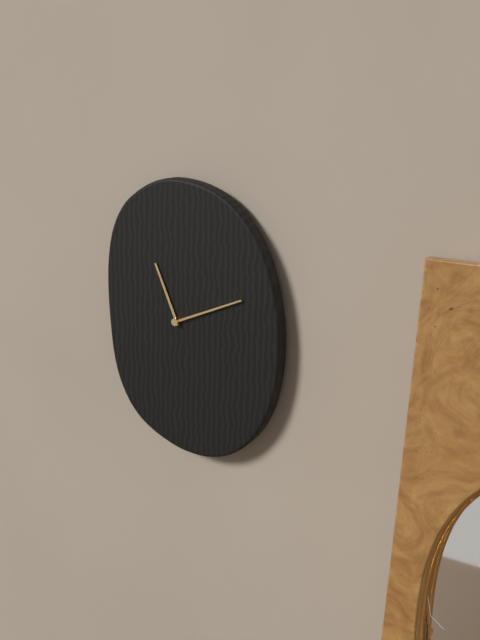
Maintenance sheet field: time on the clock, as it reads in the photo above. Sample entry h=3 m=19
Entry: h=11 m=11
